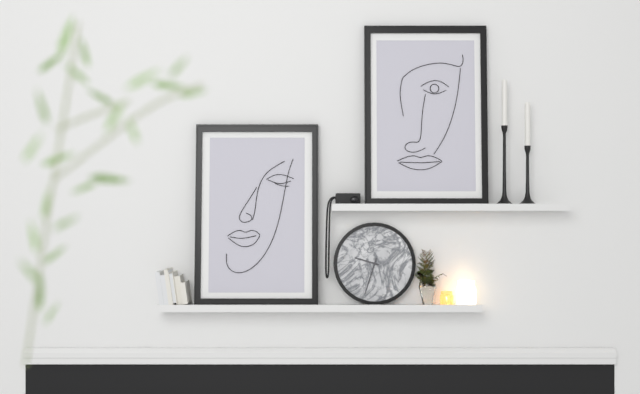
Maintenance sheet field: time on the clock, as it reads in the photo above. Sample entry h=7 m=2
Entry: h=9 m=33
